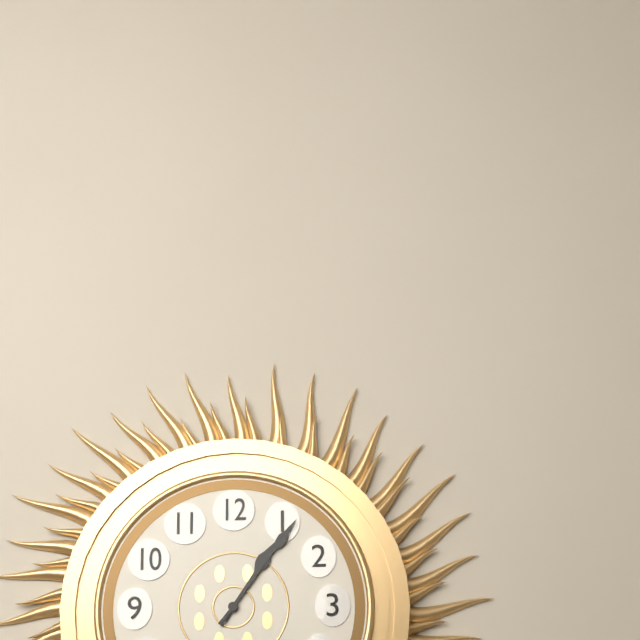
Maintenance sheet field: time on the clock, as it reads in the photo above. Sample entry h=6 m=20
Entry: h=1 m=6
